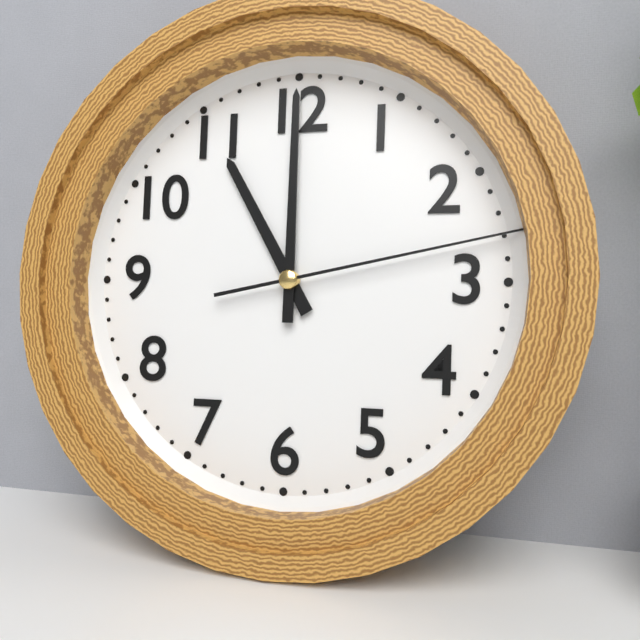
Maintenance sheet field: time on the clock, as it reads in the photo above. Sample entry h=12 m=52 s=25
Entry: h=11 m=0 s=13
